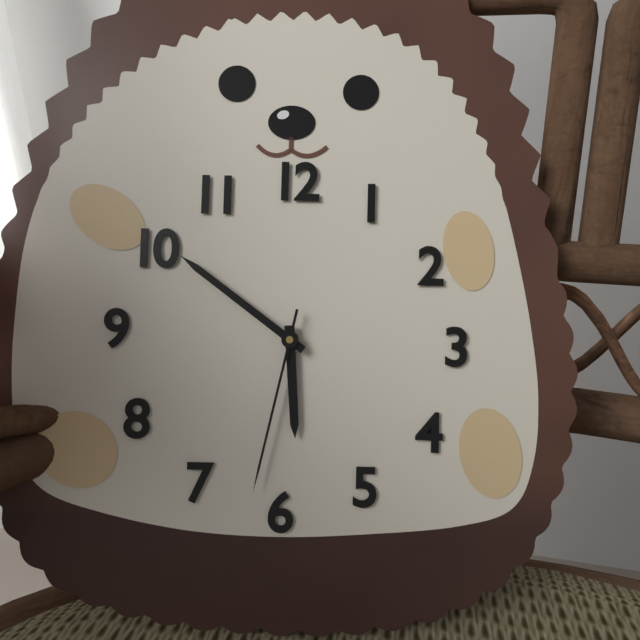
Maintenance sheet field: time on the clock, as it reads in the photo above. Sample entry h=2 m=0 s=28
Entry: h=5 m=51 s=32
